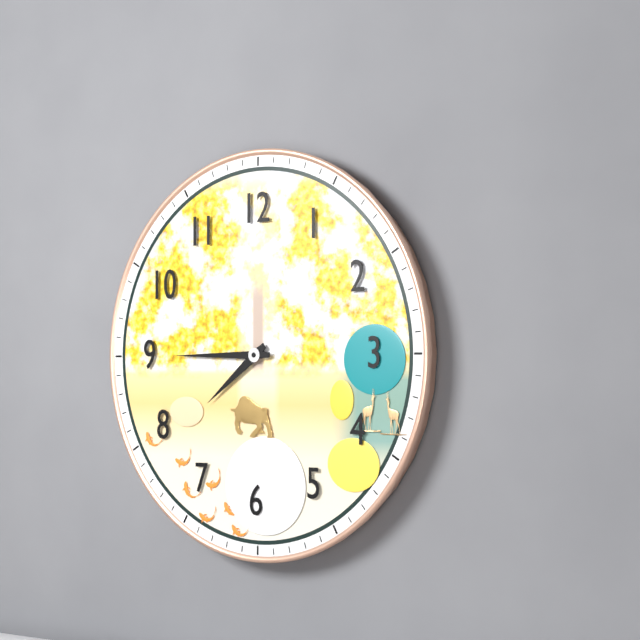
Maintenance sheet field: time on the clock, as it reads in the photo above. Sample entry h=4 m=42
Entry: h=7 m=45
